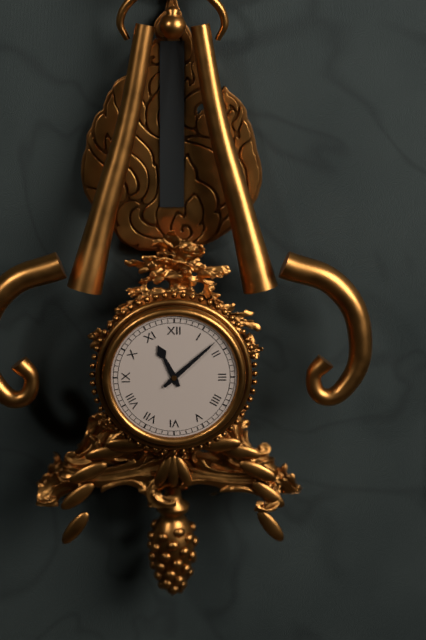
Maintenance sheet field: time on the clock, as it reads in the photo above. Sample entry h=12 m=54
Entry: h=11 m=8
